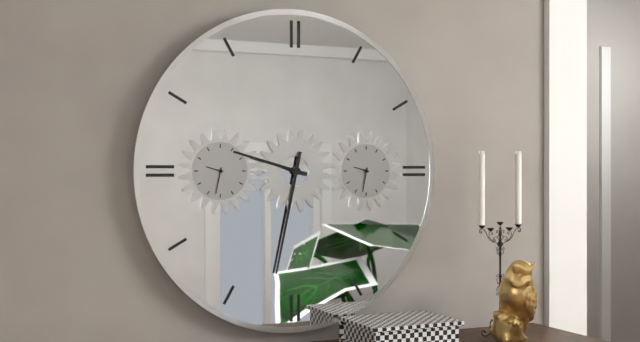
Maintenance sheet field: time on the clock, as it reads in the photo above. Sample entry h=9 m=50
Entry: h=9 m=32
